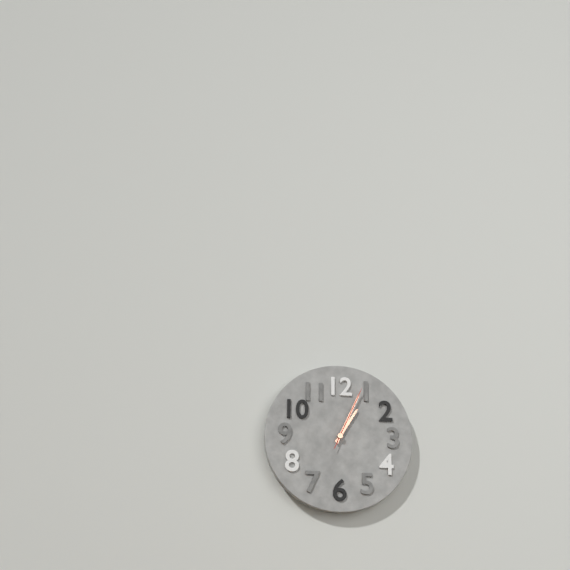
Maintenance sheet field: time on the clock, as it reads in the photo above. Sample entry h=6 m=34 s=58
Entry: h=1 m=4 s=4
